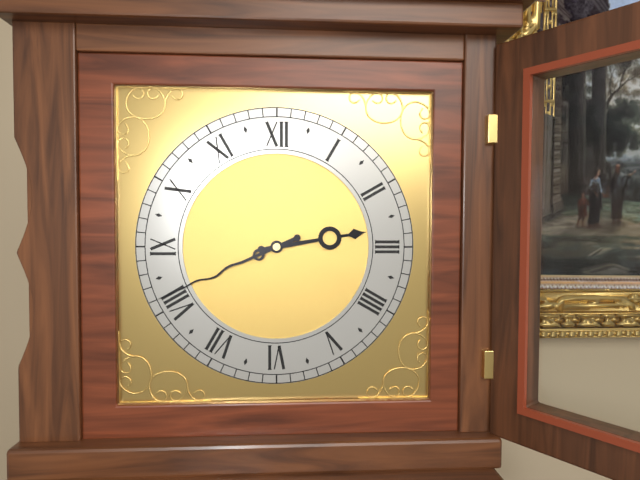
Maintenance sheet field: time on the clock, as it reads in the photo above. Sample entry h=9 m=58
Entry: h=2 m=41
